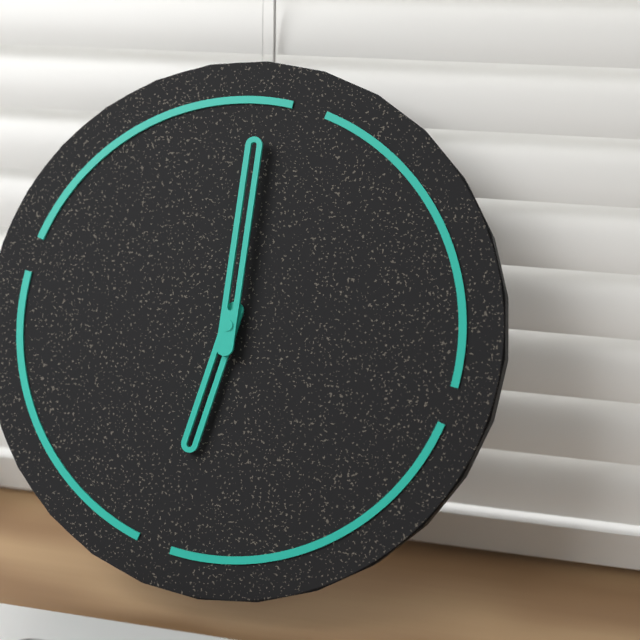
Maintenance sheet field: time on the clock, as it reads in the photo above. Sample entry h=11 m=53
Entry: h=5 m=58
